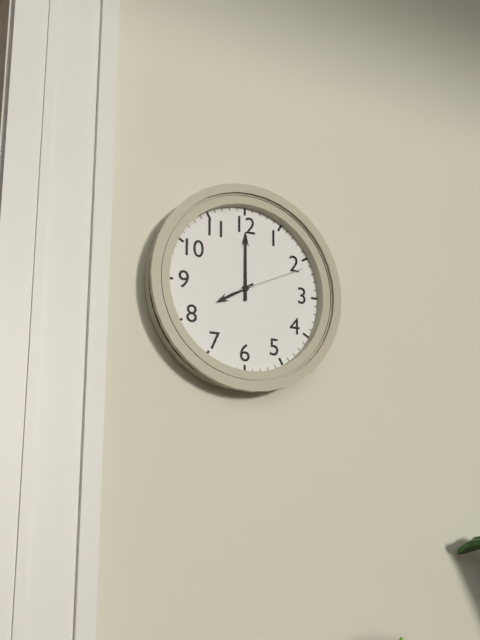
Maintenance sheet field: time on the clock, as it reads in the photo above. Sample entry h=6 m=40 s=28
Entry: h=8 m=0 s=11
